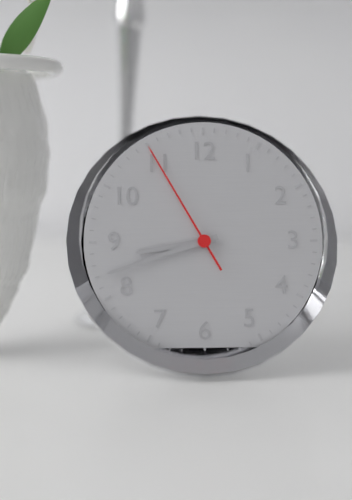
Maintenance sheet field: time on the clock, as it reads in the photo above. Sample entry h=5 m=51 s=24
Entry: h=8 m=42 s=55
